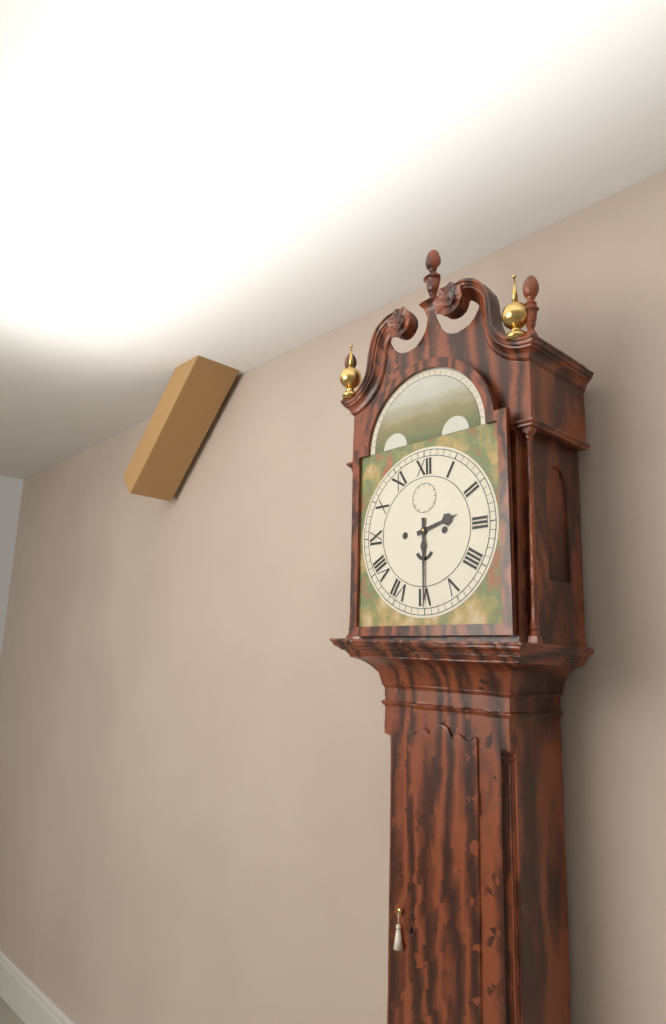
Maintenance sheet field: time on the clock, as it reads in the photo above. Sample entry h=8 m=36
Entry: h=2 m=30
